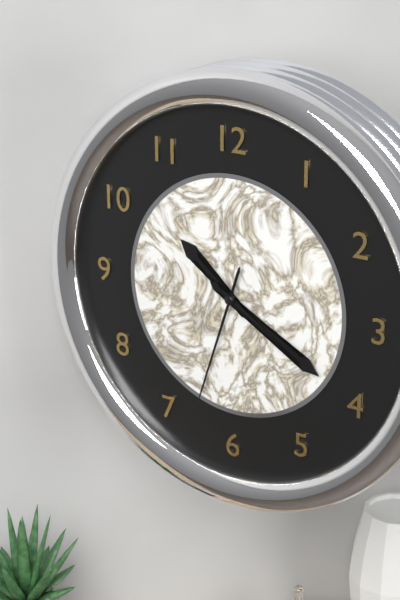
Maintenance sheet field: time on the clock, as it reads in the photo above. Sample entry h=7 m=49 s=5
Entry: h=10 m=20 s=33
